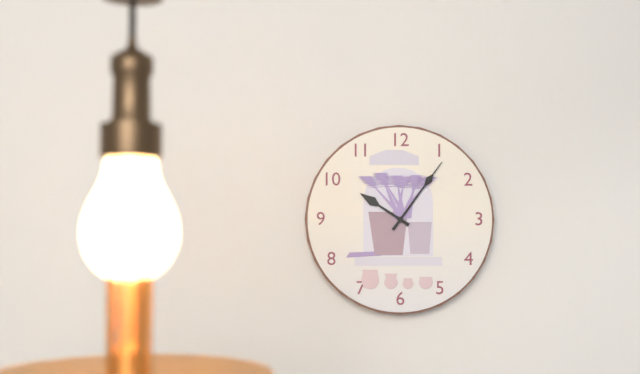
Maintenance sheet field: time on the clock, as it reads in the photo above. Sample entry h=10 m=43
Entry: h=10 m=6
